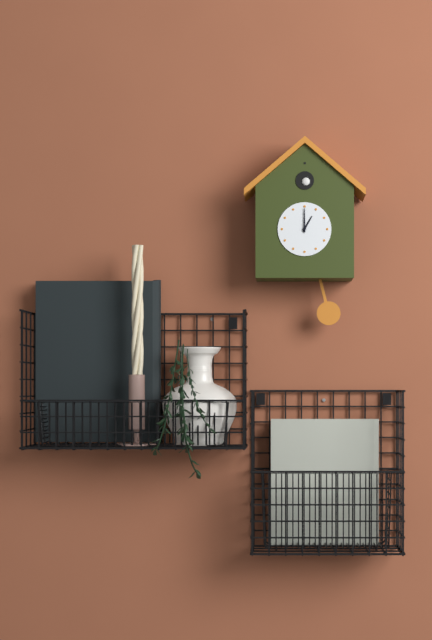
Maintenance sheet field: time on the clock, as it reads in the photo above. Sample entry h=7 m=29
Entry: h=1 m=0
